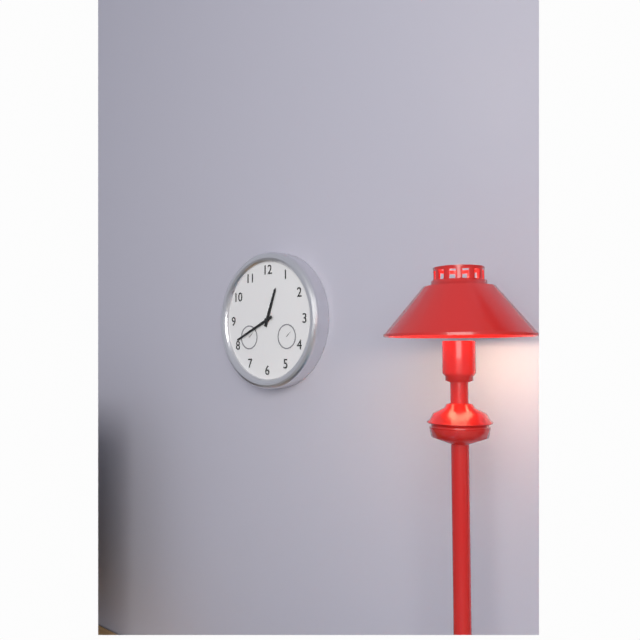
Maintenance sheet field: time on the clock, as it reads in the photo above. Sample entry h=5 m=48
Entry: h=12 m=41
